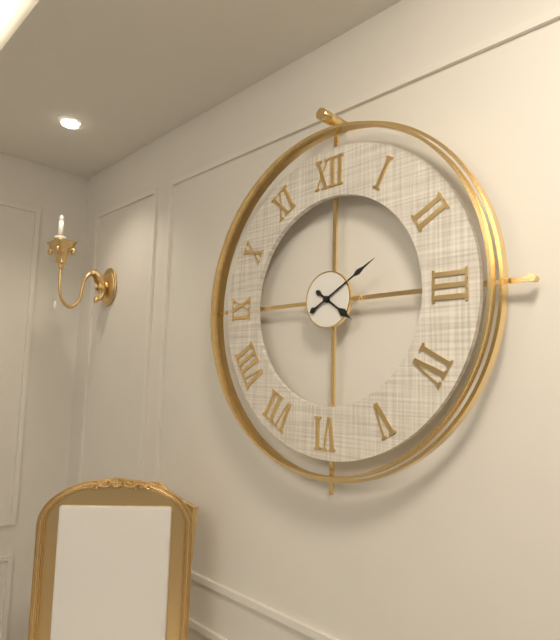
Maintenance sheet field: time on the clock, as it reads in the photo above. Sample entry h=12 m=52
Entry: h=4 m=10
